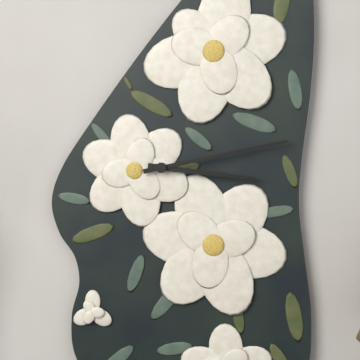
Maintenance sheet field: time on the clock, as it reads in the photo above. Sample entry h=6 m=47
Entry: h=3 m=13
